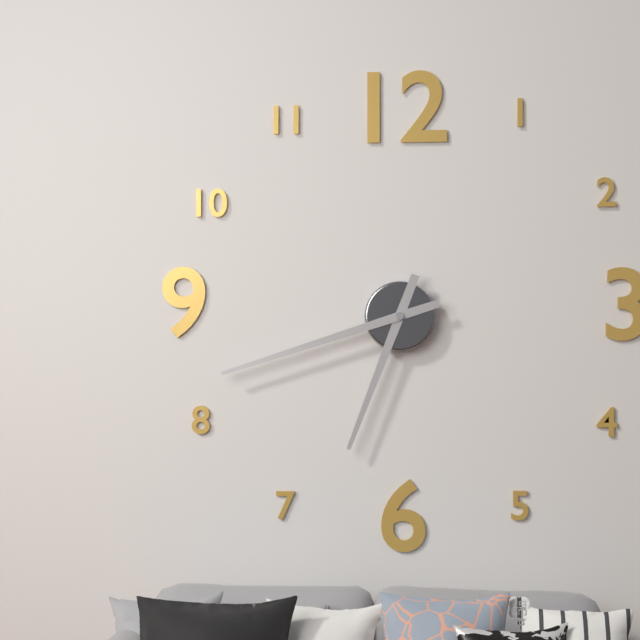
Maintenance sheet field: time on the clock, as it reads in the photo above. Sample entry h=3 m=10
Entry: h=6 m=42
